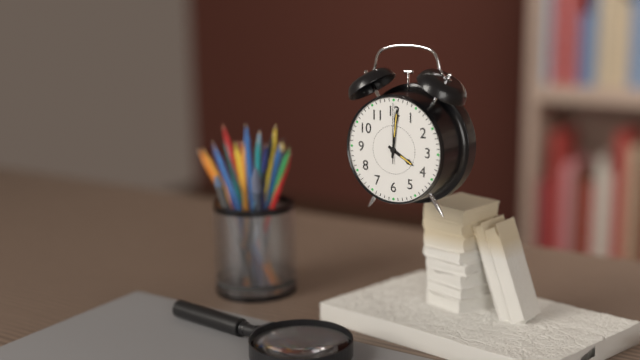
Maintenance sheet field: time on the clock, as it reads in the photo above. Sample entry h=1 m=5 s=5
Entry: h=4 m=1 s=0
